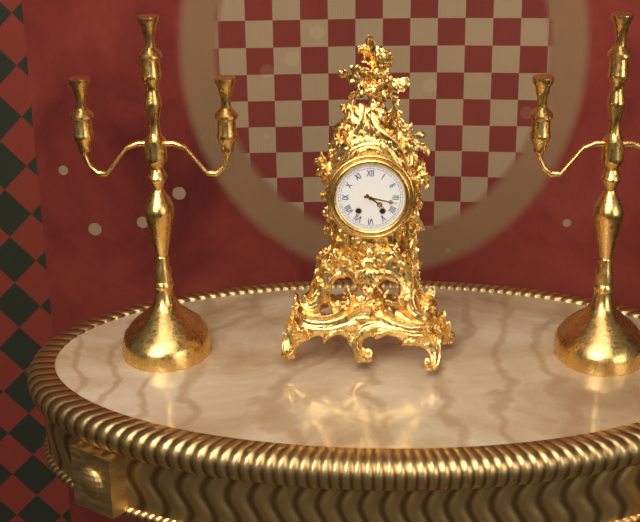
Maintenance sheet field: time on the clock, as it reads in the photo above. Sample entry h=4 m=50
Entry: h=4 m=17
